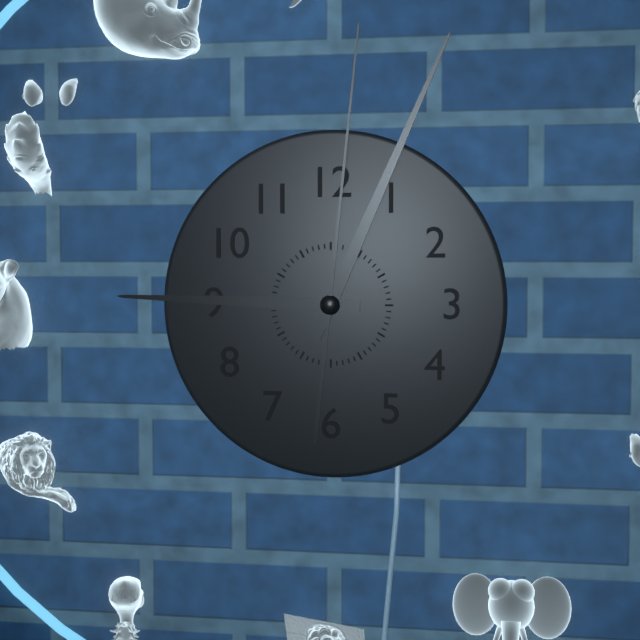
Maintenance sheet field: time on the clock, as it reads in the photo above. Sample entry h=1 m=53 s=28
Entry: h=9 m=4 s=1
